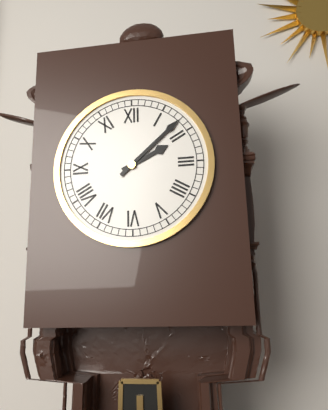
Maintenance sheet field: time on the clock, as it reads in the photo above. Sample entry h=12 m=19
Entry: h=2 m=8
